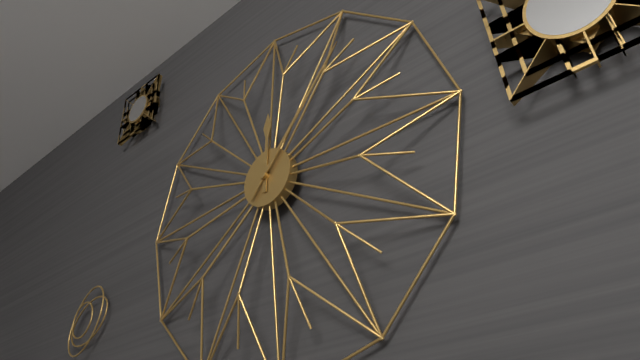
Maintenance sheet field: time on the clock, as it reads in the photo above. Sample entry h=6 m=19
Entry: h=12 m=7
